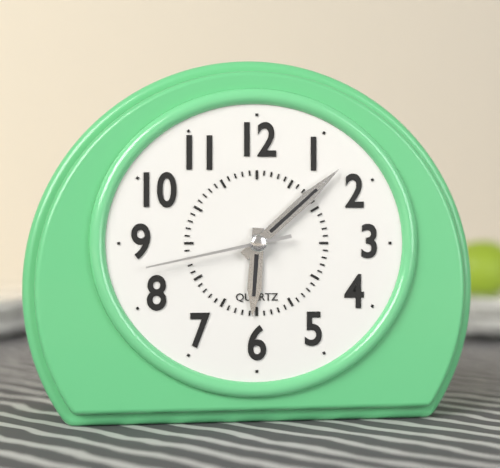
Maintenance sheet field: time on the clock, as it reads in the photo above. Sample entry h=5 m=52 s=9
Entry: h=6 m=8 s=43
